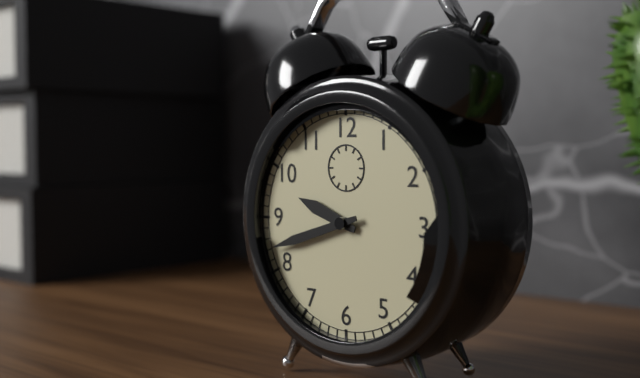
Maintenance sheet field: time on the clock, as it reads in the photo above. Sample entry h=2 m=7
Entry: h=9 m=42
